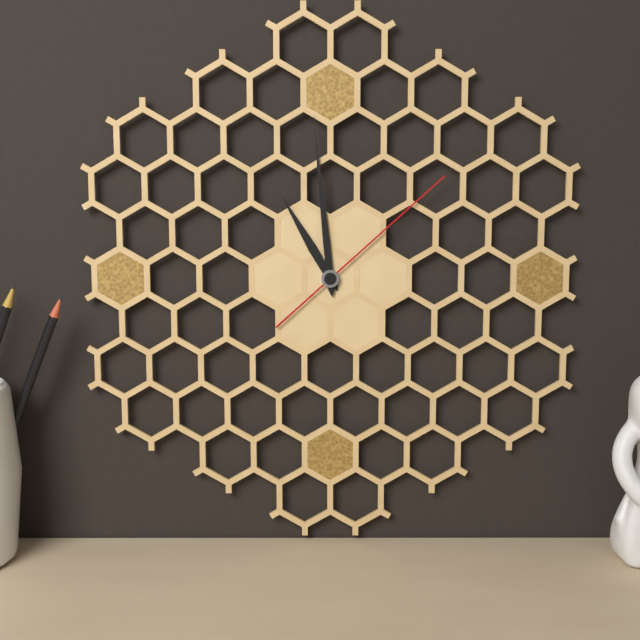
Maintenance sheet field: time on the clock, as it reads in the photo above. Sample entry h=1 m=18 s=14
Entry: h=10 m=59 s=8
